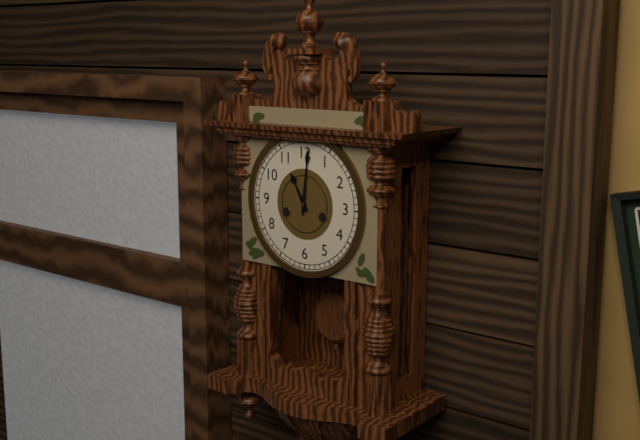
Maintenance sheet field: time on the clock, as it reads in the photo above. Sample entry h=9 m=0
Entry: h=11 m=1
